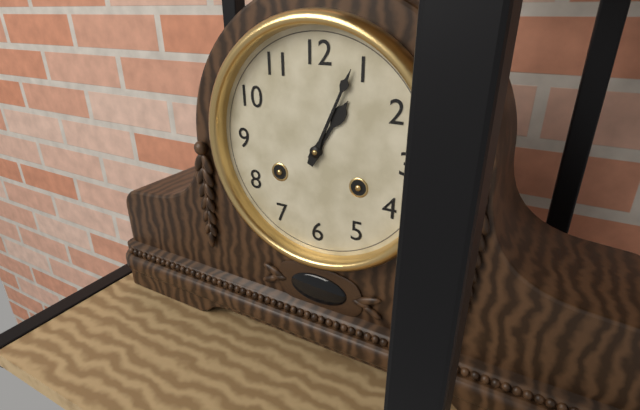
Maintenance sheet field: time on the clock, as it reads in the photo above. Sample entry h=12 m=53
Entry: h=1 m=4
